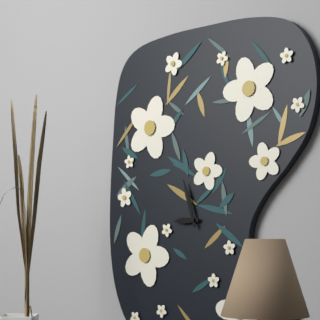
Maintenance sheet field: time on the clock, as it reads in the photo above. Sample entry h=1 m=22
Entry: h=8 m=57
